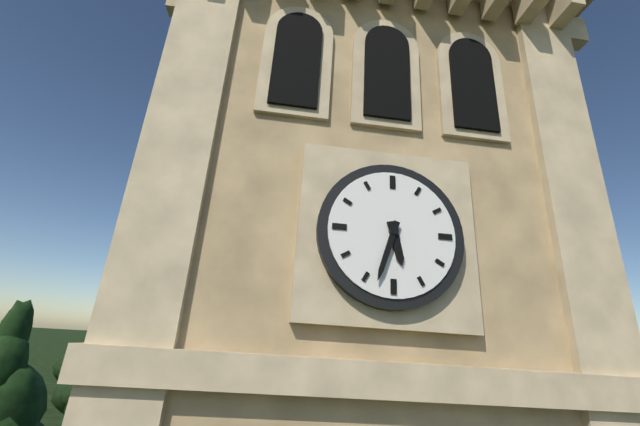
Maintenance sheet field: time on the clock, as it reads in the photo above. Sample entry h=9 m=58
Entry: h=5 m=33
